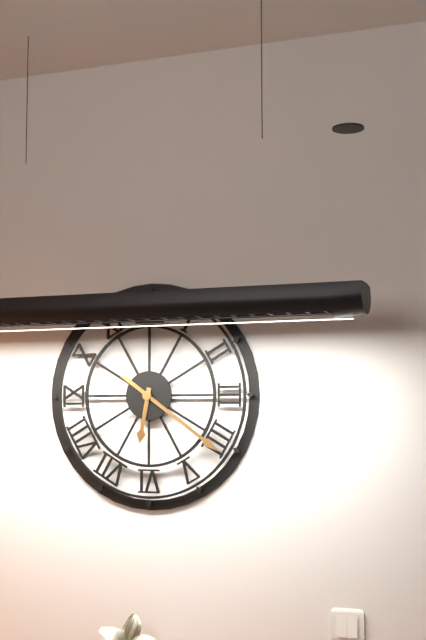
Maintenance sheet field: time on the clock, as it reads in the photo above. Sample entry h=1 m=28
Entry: h=6 m=21
